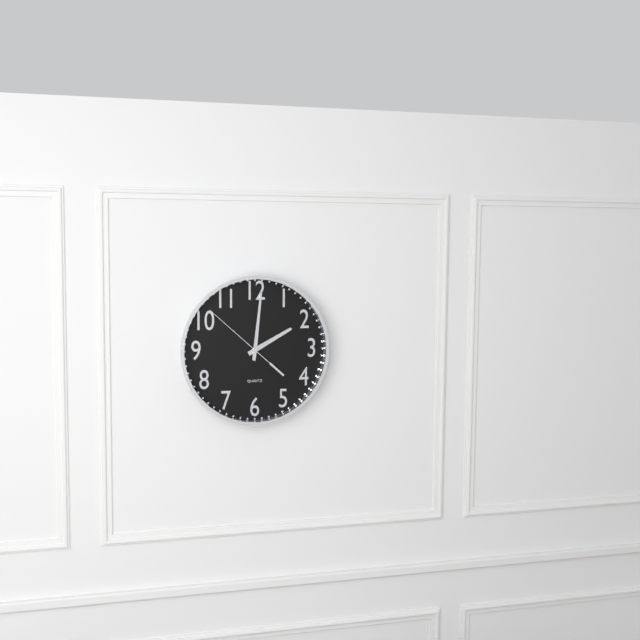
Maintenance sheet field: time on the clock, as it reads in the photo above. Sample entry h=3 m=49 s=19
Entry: h=2 m=1 s=52
